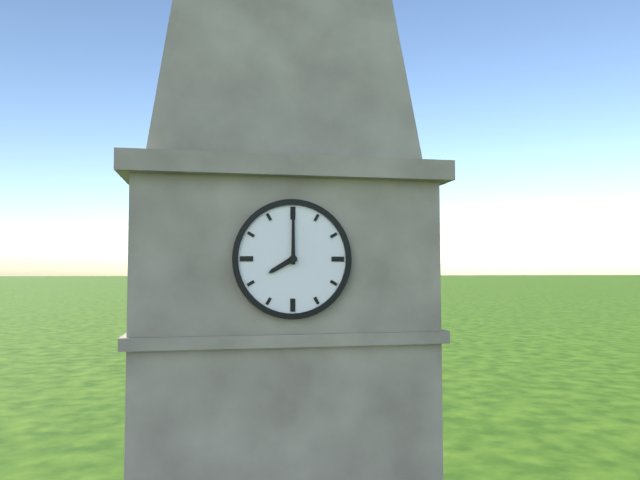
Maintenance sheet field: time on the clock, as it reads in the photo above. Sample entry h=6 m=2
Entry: h=8 m=0
